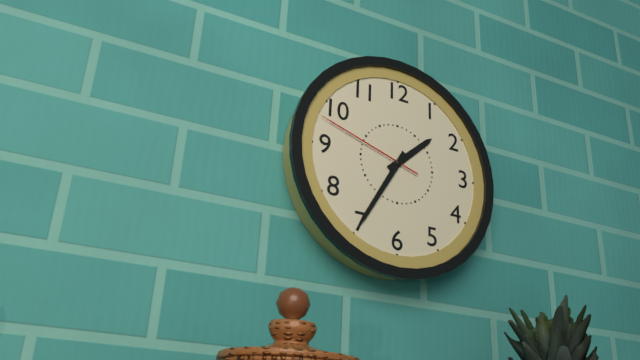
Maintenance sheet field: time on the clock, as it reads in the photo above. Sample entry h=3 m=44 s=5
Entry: h=1 m=35 s=48
